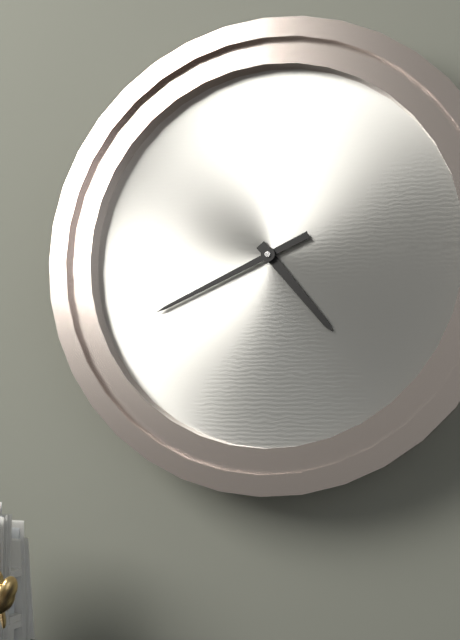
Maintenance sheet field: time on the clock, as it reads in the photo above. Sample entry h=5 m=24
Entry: h=4 m=41
